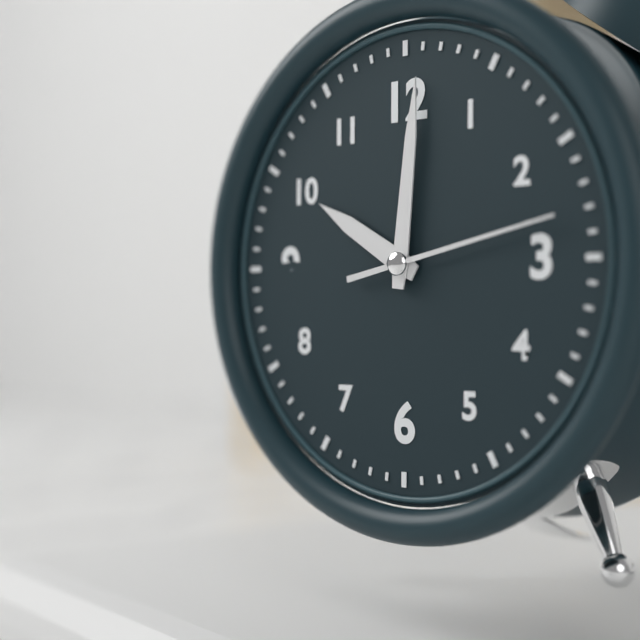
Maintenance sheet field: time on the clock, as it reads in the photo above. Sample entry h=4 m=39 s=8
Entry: h=10 m=1 s=13
